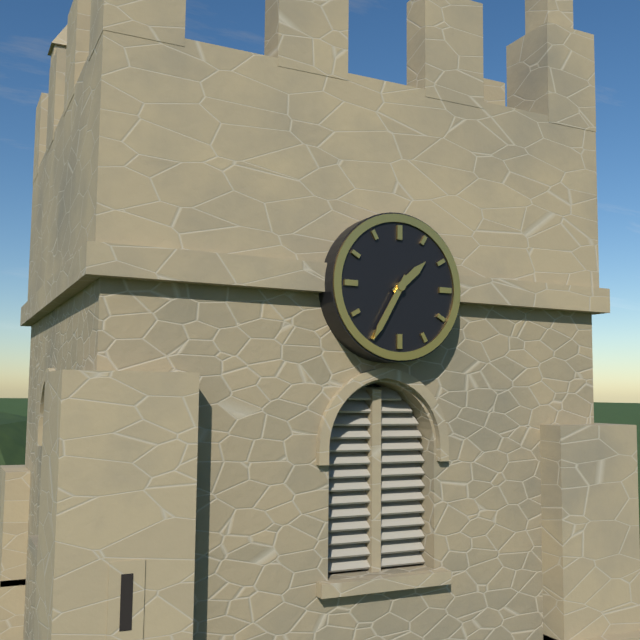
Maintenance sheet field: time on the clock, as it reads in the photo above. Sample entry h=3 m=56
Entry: h=1 m=35
